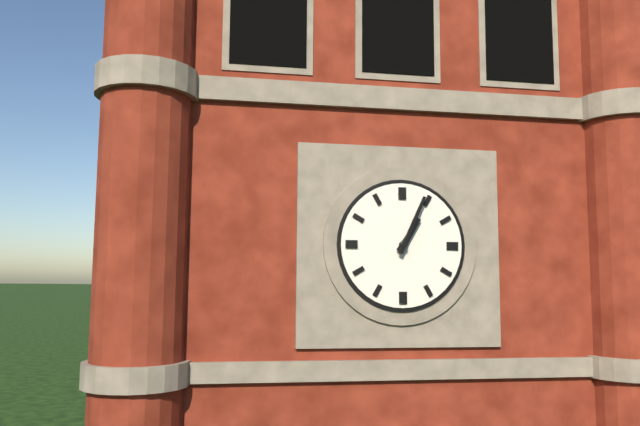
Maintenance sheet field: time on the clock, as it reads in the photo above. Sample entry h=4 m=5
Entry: h=1 m=4
